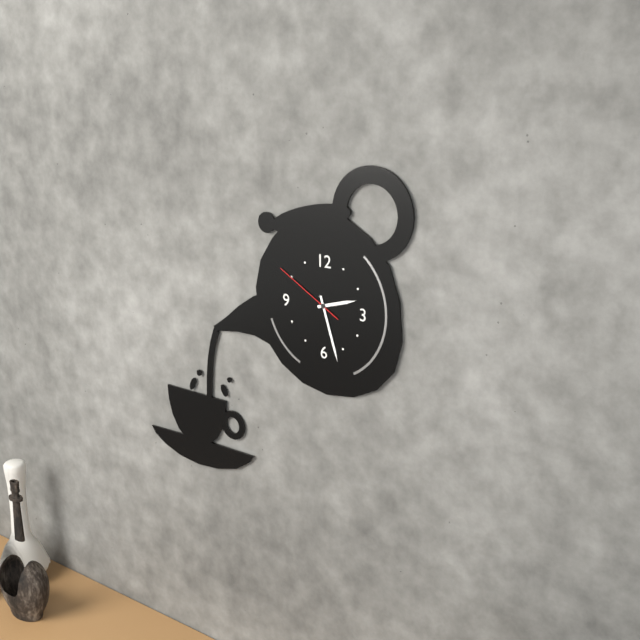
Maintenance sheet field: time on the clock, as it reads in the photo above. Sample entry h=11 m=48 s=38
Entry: h=2 m=27 s=50
